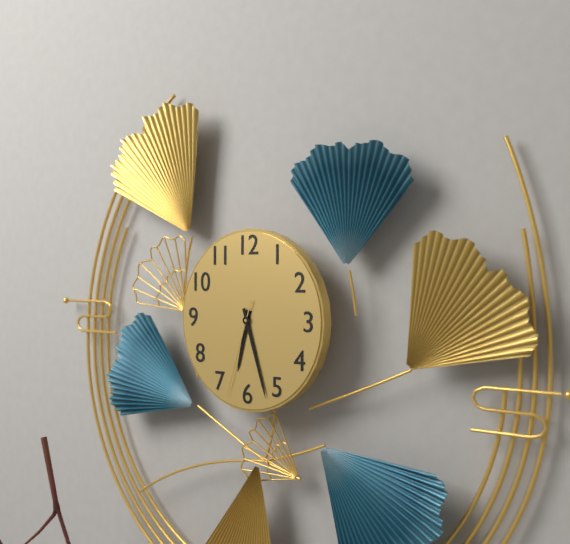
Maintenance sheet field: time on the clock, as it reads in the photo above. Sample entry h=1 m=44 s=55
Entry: h=6 m=27 s=33
